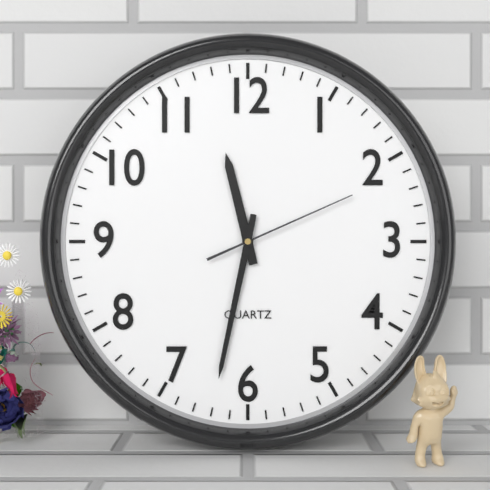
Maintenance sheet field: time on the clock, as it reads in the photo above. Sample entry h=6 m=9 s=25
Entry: h=11 m=32 s=11
